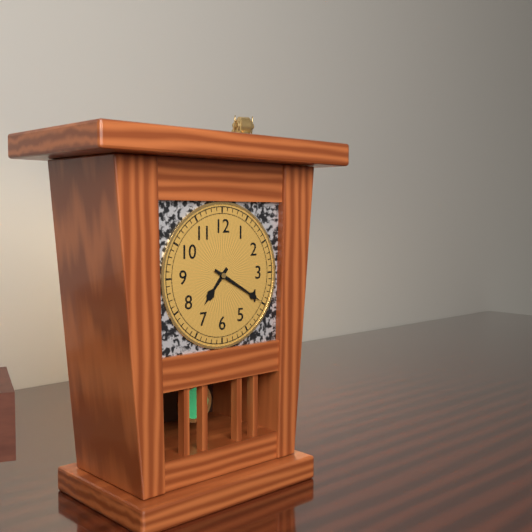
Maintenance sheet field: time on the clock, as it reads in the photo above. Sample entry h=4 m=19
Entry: h=7 m=20
